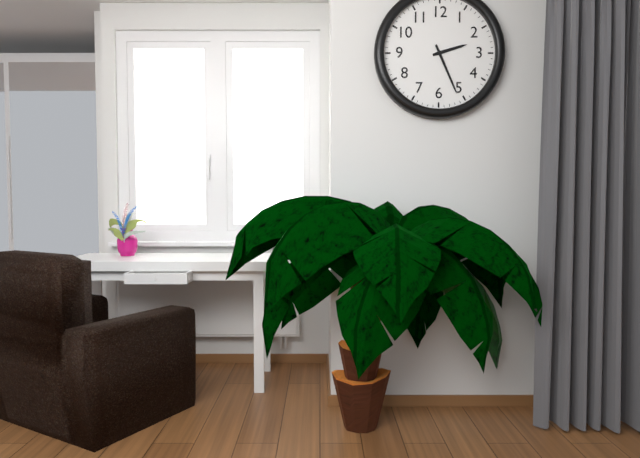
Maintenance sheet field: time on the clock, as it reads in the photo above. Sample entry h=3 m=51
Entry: h=2 m=26
